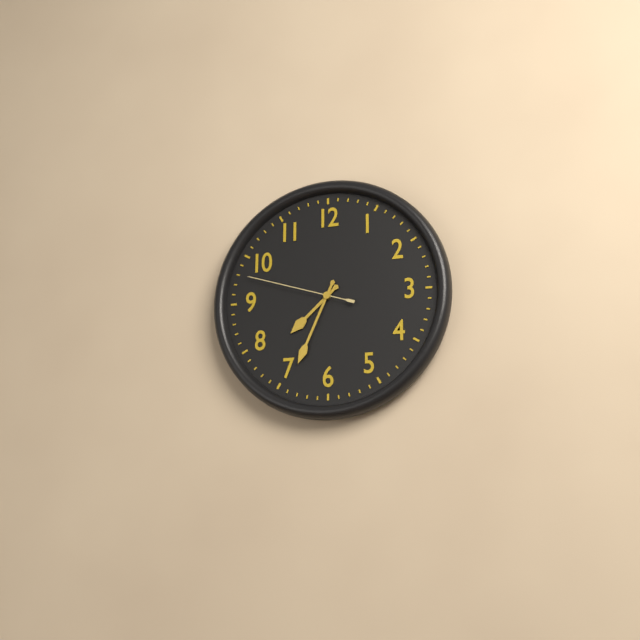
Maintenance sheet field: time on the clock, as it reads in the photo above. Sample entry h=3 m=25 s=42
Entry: h=7 m=34 s=48
